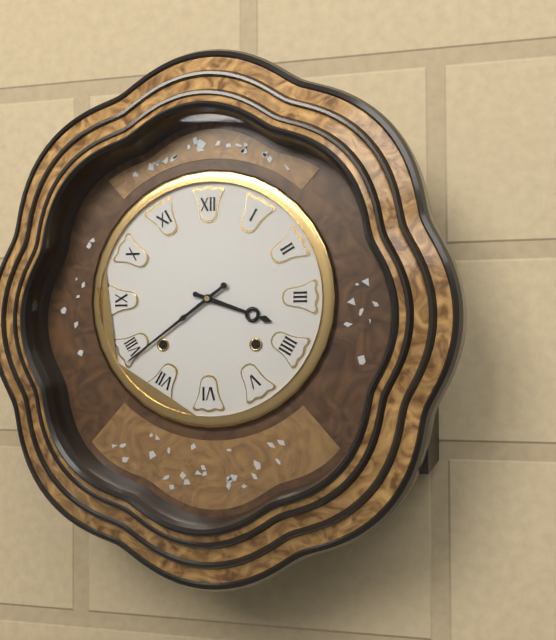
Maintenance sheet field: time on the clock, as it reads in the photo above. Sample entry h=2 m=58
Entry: h=3 m=39
